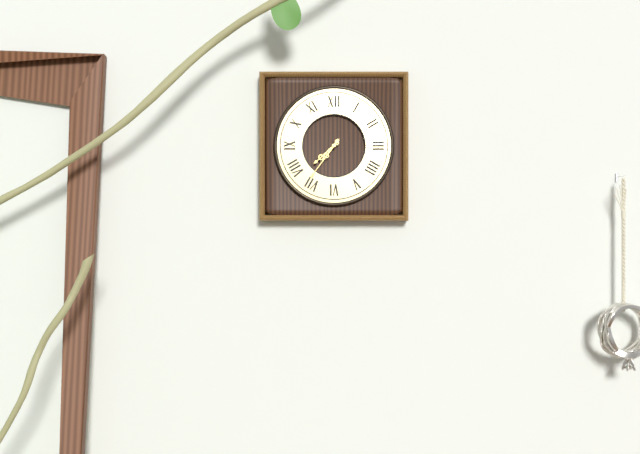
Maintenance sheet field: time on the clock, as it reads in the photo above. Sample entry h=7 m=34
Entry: h=7 m=36
